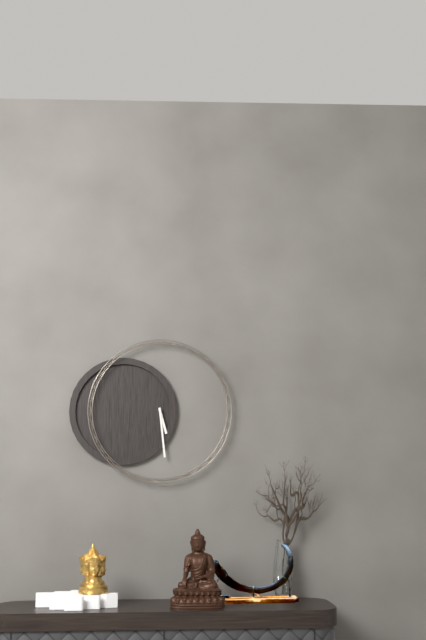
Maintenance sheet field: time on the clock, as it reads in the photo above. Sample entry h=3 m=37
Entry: h=5 m=29
